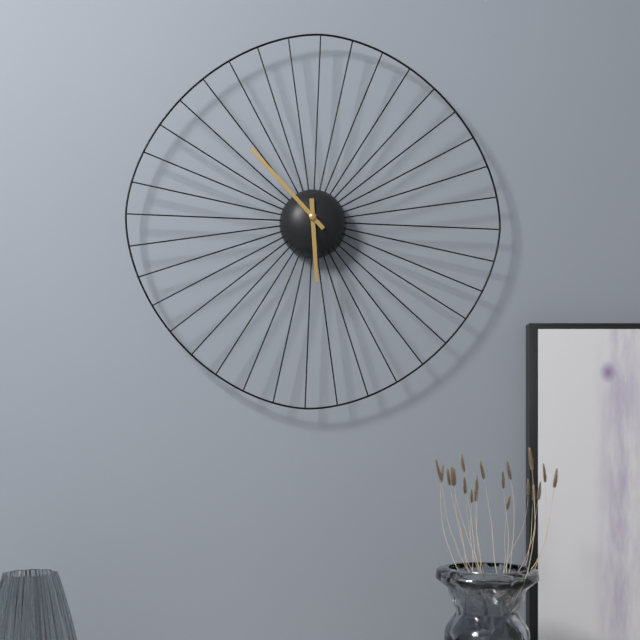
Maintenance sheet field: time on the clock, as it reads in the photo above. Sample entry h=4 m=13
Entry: h=5 m=53
